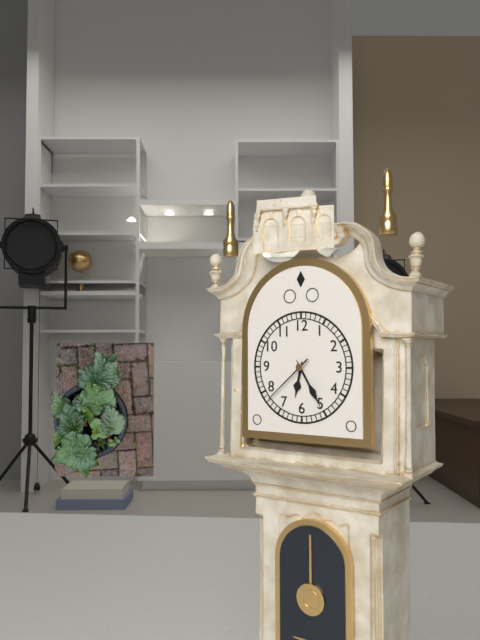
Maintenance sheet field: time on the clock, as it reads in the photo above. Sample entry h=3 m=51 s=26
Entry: h=6 m=25 s=38
